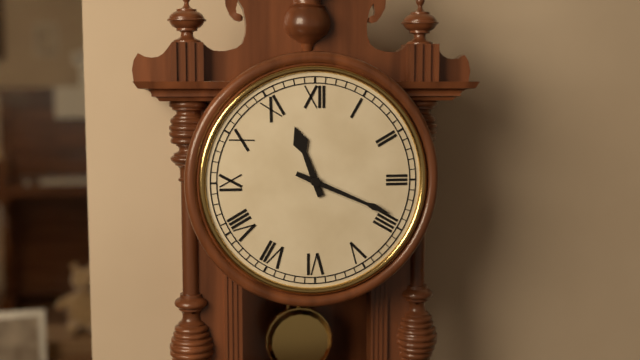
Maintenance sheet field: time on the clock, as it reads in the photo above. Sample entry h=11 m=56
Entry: h=11 m=19
